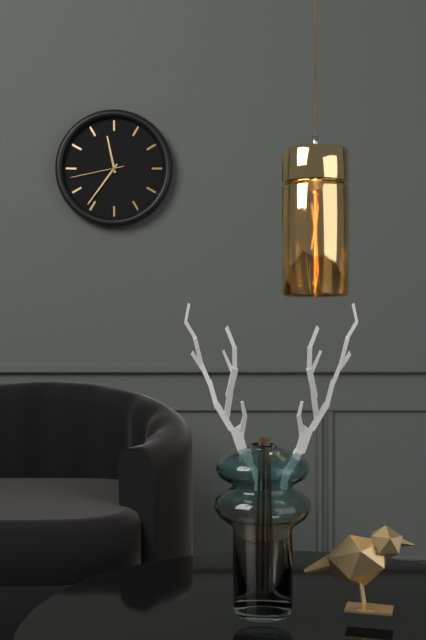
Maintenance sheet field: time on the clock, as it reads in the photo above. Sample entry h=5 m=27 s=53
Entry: h=11 m=36 s=43
